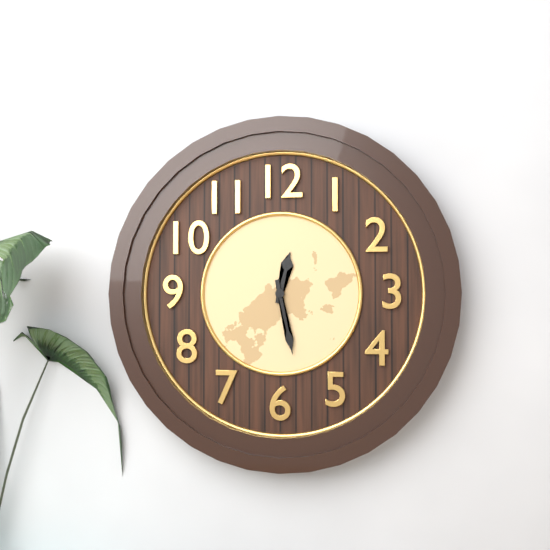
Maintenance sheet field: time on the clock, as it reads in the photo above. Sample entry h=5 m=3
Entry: h=12 m=28
